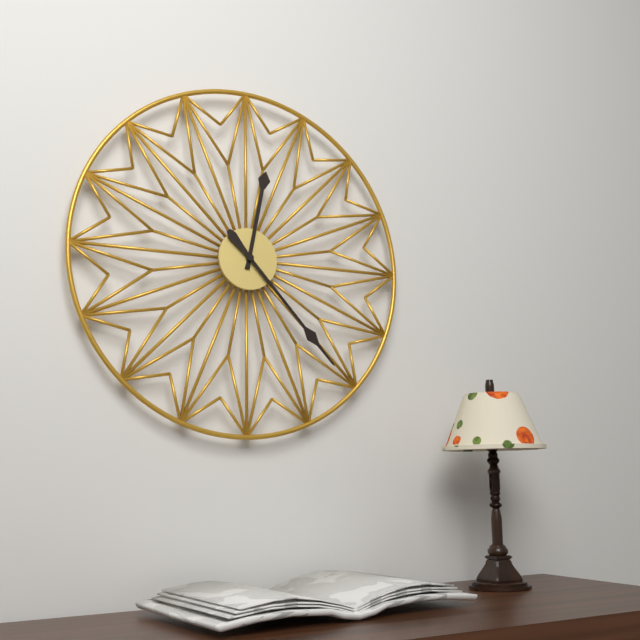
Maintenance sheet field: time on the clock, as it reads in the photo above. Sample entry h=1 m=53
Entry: h=12 m=23
